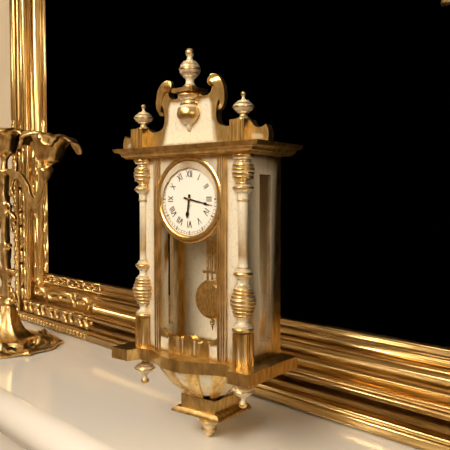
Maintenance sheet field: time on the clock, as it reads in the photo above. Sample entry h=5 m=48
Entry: h=6 m=17
